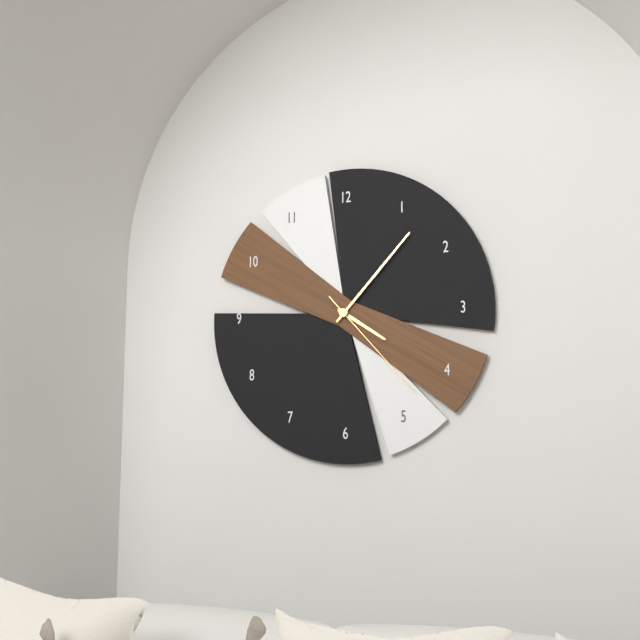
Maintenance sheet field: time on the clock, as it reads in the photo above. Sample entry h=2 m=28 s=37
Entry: h=4 m=7 s=23
